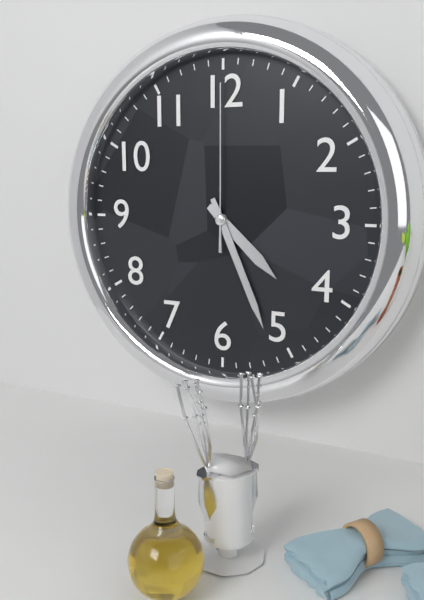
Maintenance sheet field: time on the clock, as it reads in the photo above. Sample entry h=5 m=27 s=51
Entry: h=4 m=26 s=0
